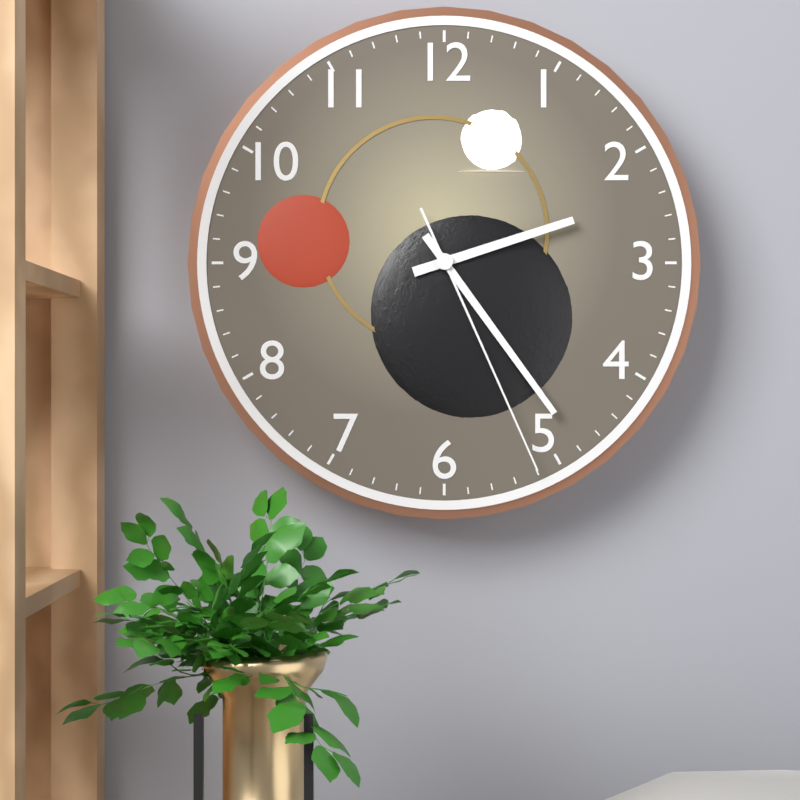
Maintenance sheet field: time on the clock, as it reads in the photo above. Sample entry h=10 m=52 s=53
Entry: h=2 m=24 s=26
